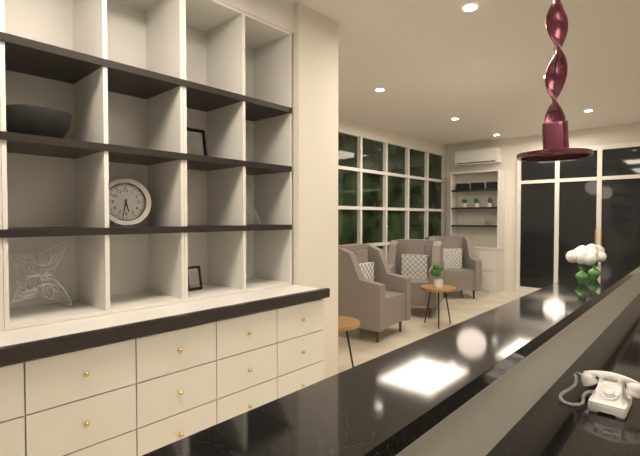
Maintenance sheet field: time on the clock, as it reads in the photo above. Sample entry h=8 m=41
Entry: h=5 m=32
